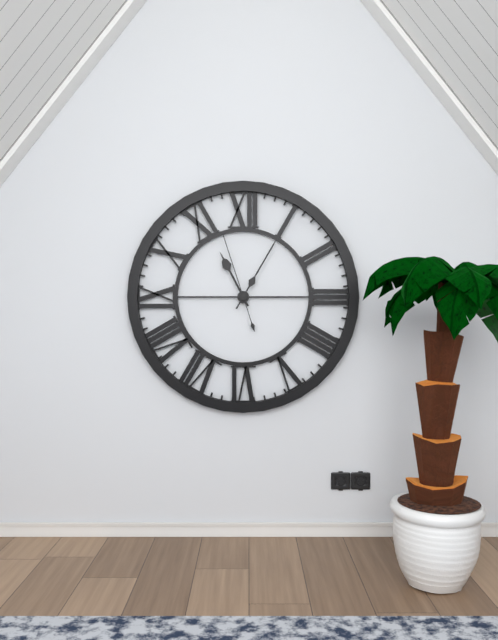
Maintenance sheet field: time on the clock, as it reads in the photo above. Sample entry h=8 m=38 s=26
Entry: h=11 m=5 s=57
